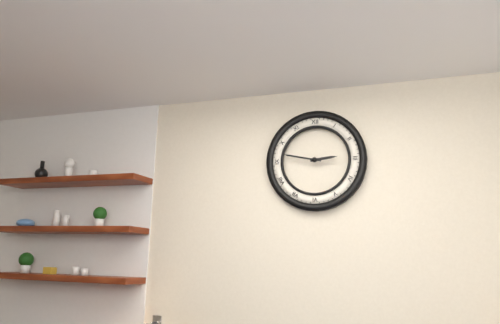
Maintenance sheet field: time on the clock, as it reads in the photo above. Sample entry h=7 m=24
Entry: h=2 m=47
